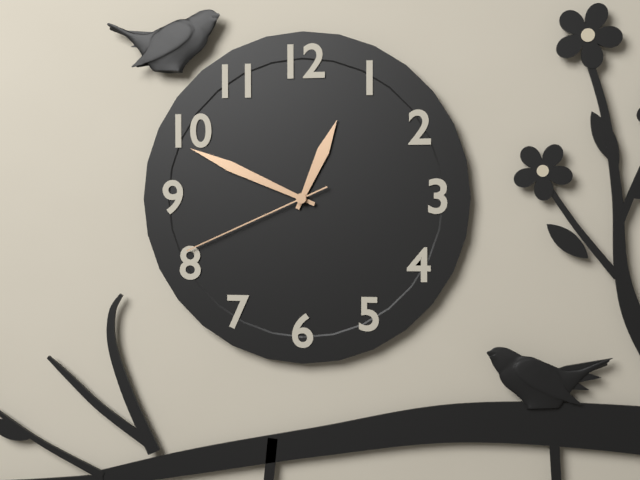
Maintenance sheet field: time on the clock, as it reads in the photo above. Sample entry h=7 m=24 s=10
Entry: h=12 m=49 s=41
